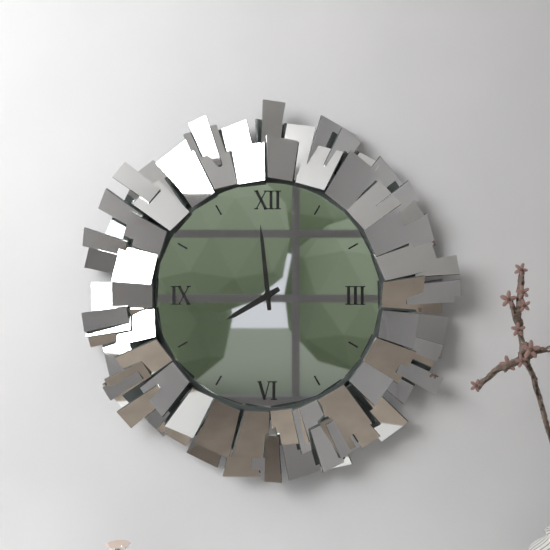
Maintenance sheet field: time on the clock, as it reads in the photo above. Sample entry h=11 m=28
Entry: h=7 m=59
